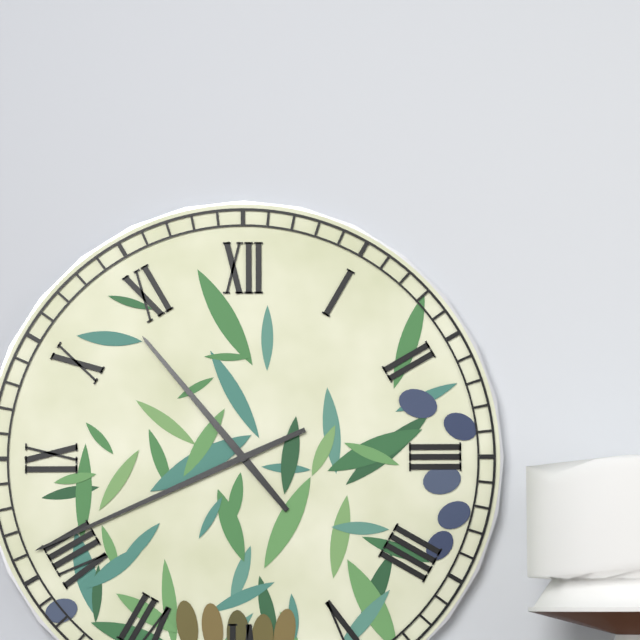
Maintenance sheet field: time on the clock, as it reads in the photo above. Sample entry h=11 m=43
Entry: h=10 m=41
